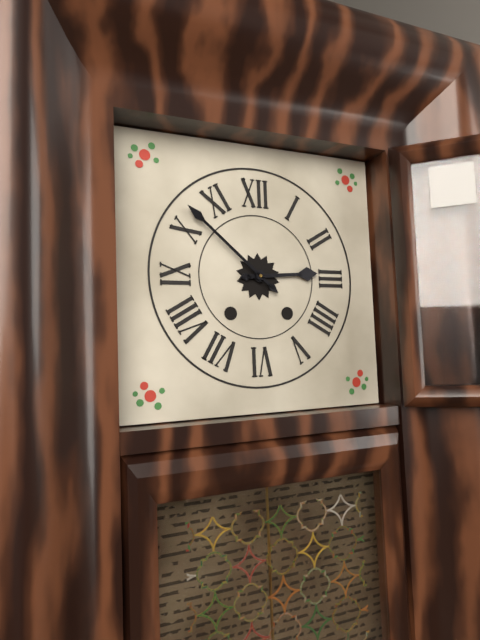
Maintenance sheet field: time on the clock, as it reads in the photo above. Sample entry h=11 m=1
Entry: h=2 m=52
